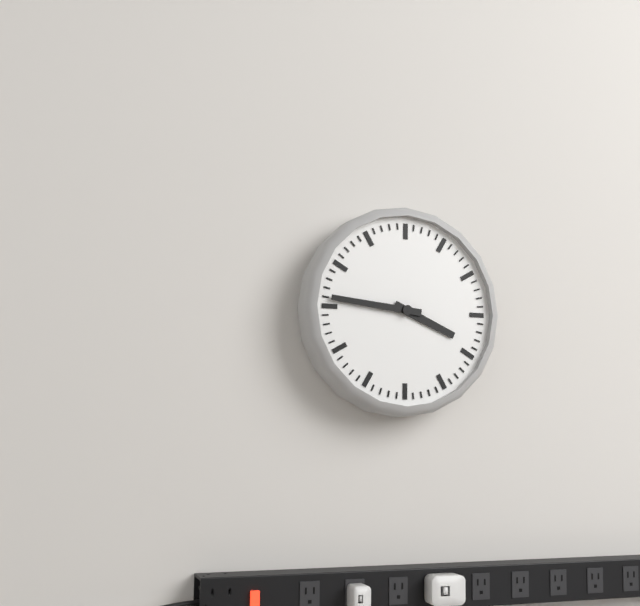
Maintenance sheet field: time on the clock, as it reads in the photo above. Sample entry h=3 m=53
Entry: h=3 m=46
